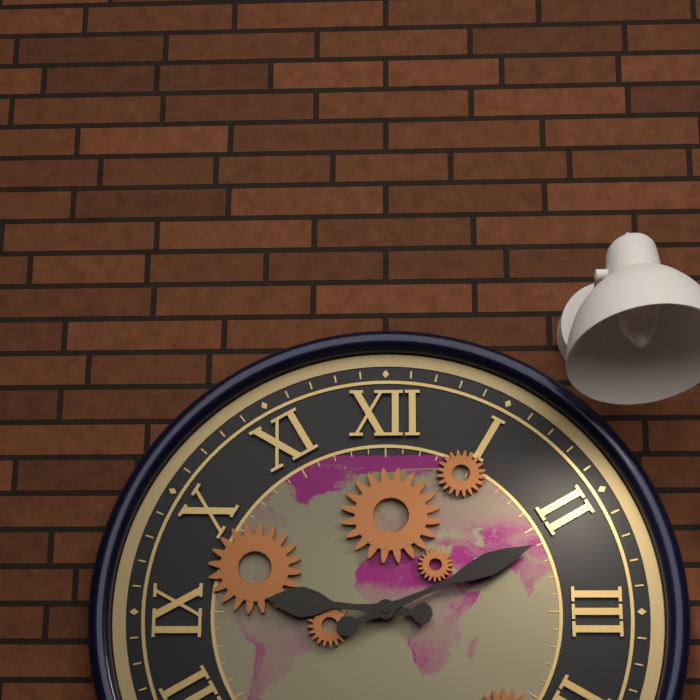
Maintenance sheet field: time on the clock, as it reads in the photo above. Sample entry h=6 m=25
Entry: h=9 m=11
